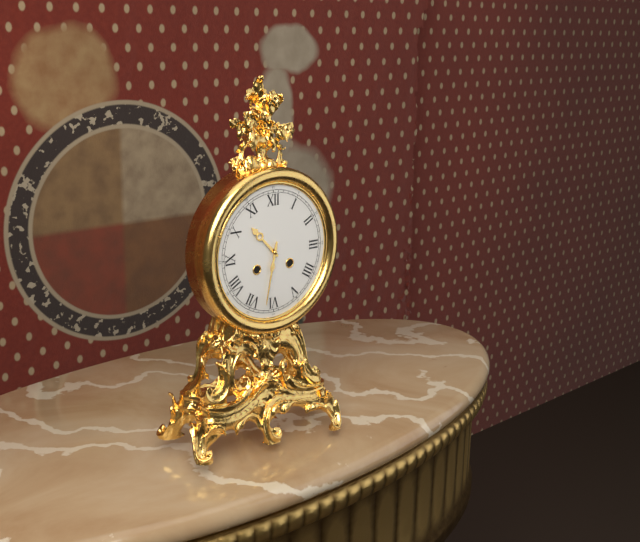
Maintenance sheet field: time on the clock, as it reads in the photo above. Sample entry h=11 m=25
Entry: h=10 m=32
